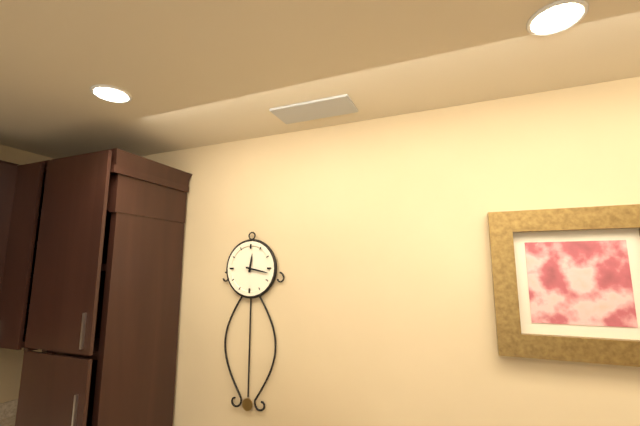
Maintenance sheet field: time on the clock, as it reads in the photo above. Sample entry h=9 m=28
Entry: h=12 m=17
